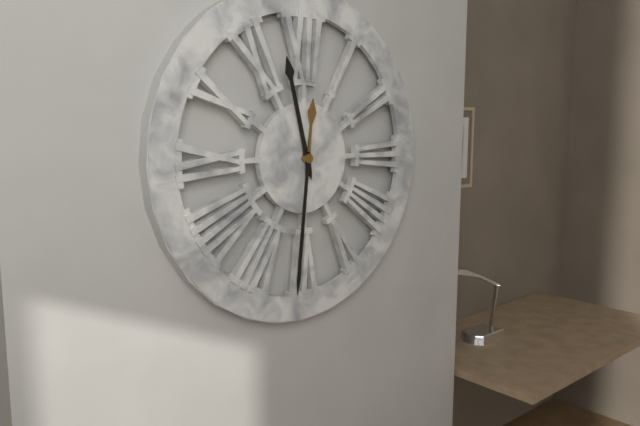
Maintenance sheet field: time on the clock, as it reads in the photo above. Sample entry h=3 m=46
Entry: h=11 m=31
